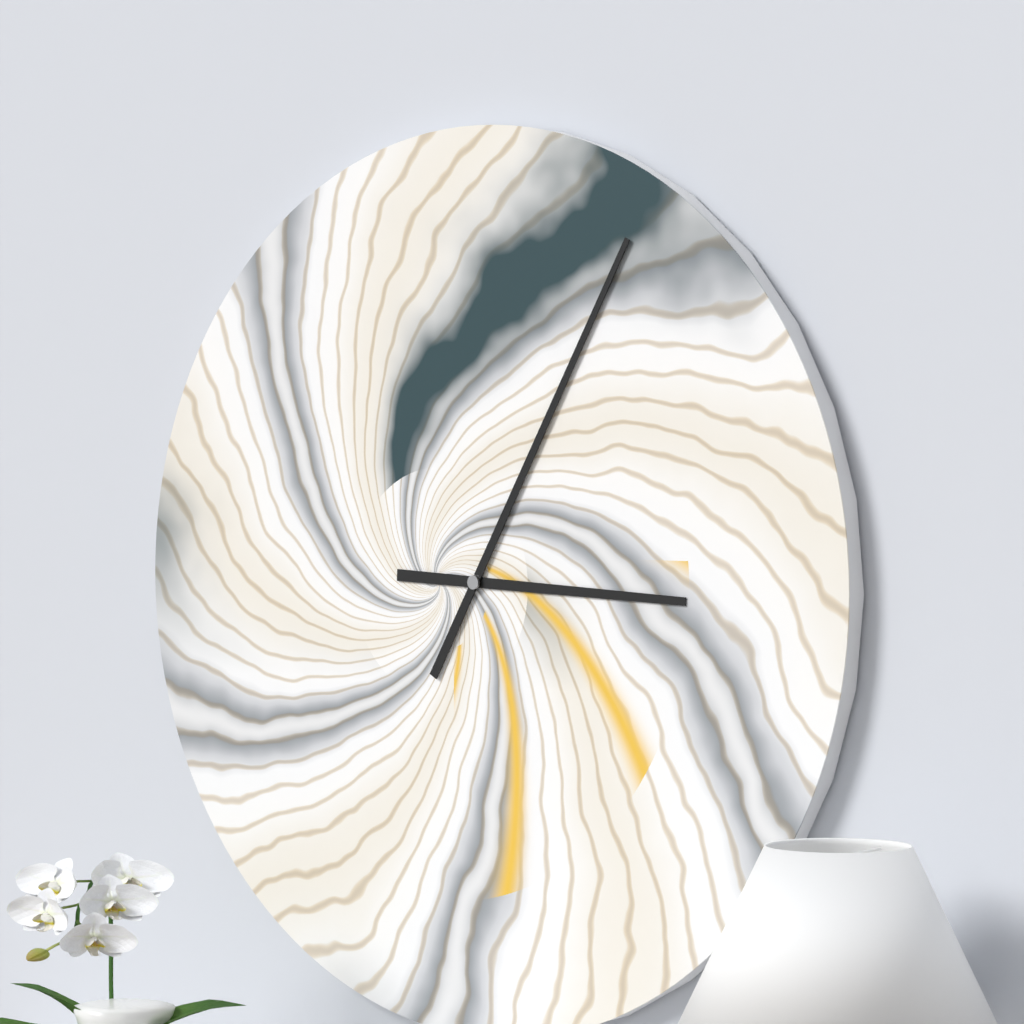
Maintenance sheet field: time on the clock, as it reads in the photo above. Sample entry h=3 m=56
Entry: h=3 m=5
